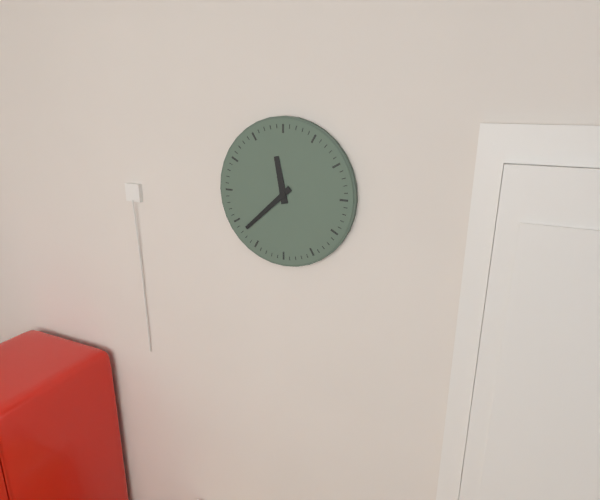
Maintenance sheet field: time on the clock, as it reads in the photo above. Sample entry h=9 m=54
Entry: h=11 m=38
